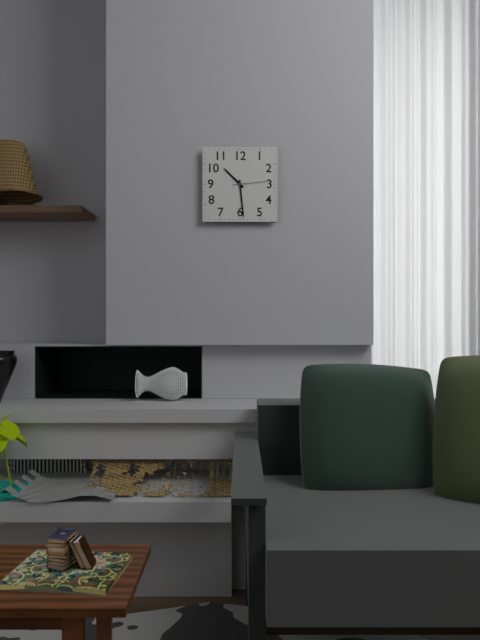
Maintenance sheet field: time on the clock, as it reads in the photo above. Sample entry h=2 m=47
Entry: h=10 m=29
